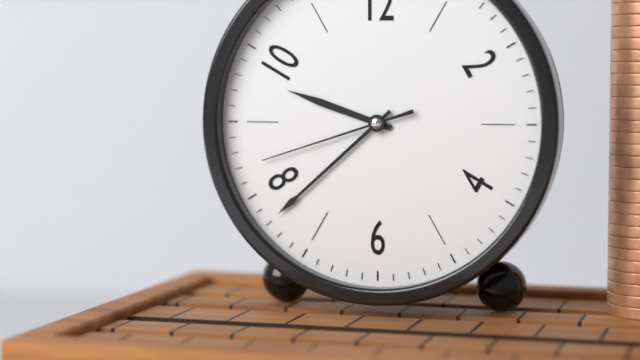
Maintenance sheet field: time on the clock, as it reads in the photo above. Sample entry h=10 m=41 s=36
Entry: h=9 m=38 s=42
